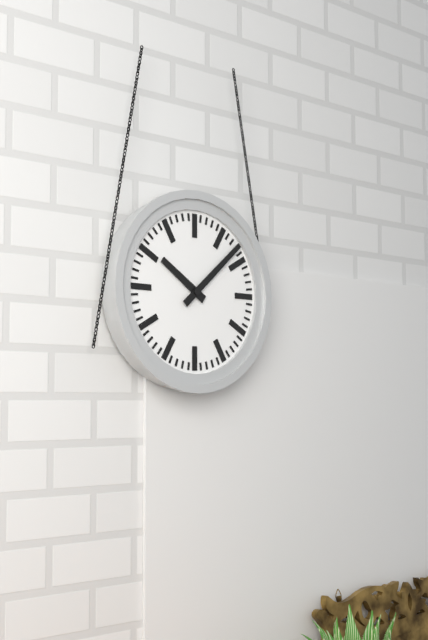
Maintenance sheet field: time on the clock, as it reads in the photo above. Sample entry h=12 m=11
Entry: h=10 m=8
